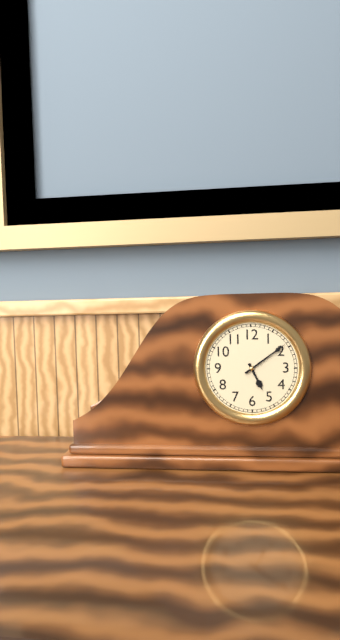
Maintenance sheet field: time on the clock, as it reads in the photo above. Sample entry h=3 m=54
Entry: h=5 m=9
